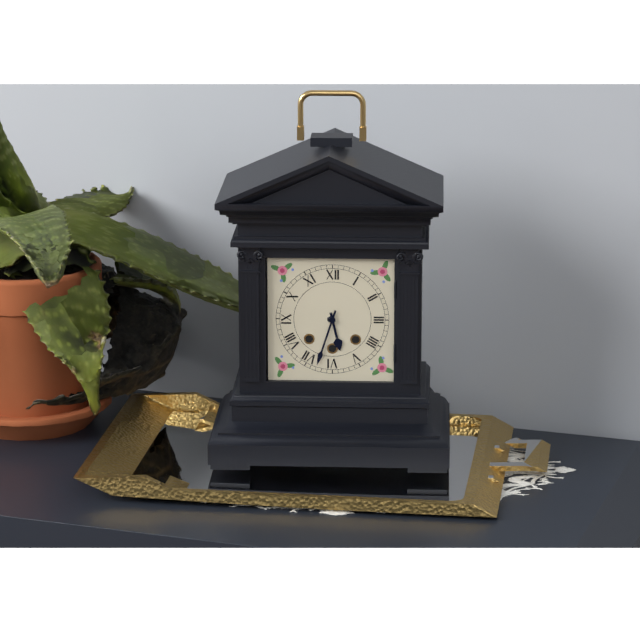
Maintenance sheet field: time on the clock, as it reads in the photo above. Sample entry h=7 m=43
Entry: h=5 m=33
